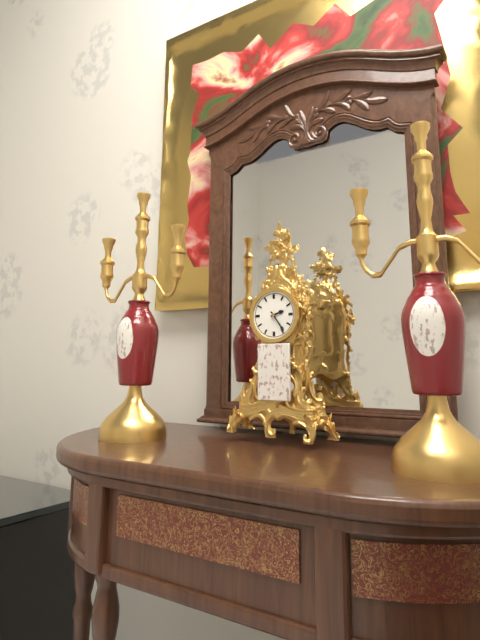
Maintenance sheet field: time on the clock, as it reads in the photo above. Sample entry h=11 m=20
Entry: h=2 m=24
